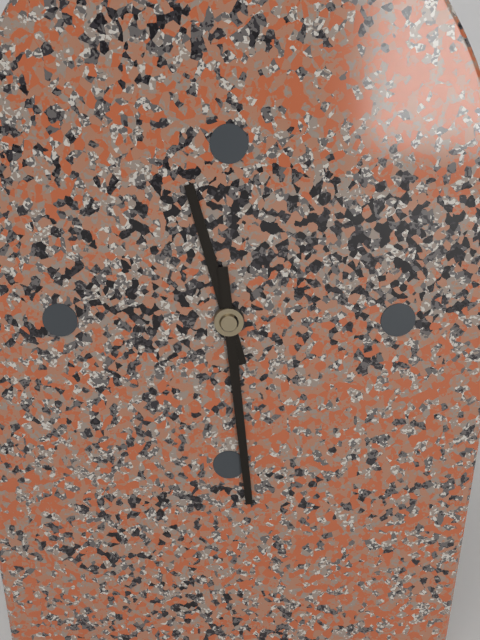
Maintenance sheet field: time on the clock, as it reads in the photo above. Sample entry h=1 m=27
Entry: h=11 m=29
